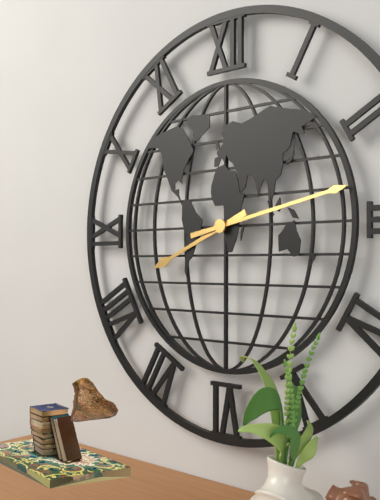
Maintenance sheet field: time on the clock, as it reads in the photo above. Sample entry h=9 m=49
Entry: h=8 m=13
